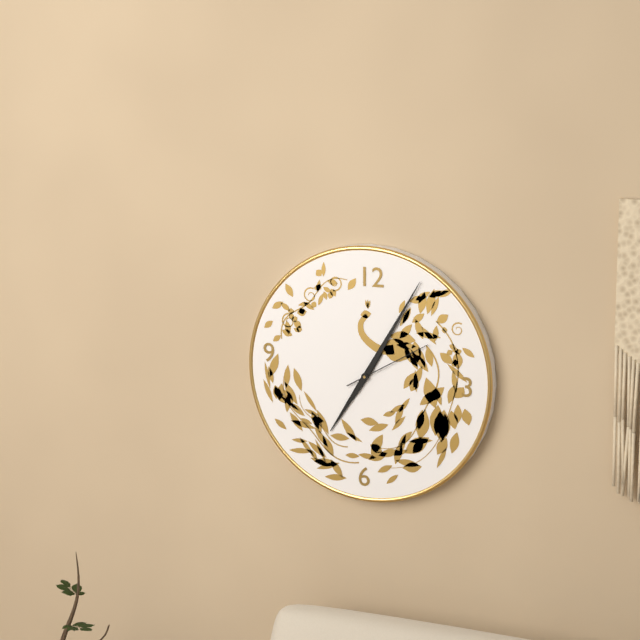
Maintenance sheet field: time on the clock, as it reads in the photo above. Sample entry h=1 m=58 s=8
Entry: h=7 m=5 s=10
